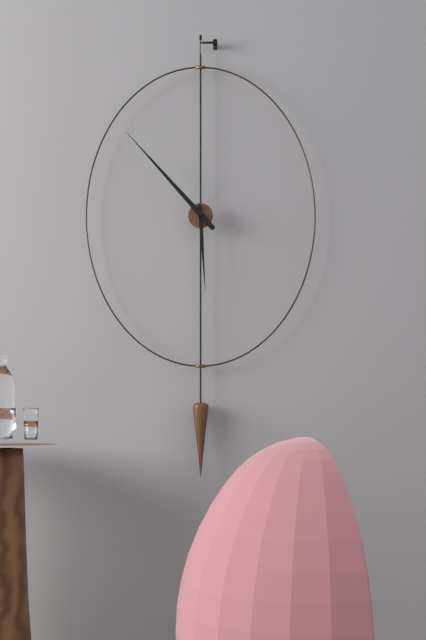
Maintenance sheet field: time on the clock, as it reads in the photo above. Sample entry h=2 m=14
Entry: h=5 m=53
